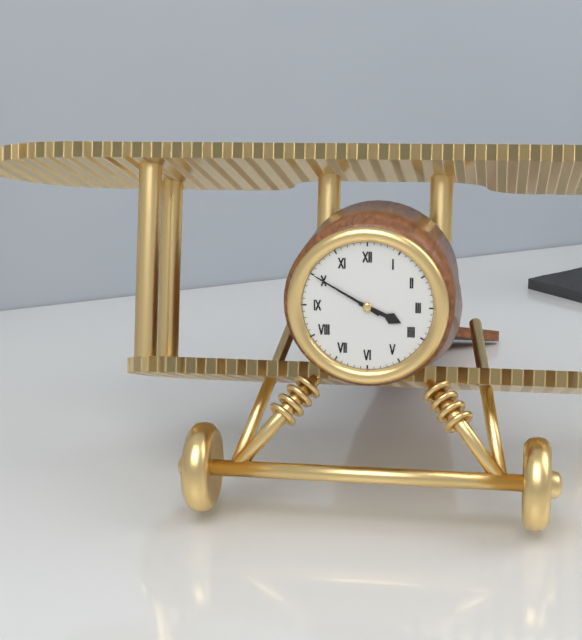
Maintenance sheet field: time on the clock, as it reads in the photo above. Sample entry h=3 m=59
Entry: h=3 m=50
